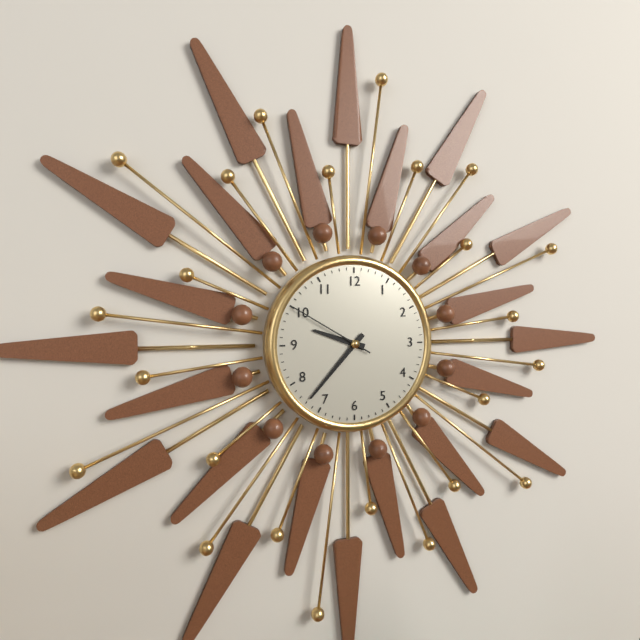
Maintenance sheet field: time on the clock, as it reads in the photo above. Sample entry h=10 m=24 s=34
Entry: h=9 m=37 s=50
